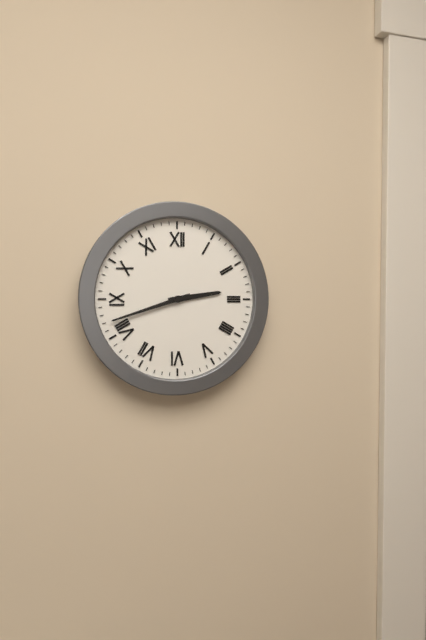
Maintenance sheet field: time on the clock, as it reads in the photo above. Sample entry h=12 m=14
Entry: h=2 m=42
